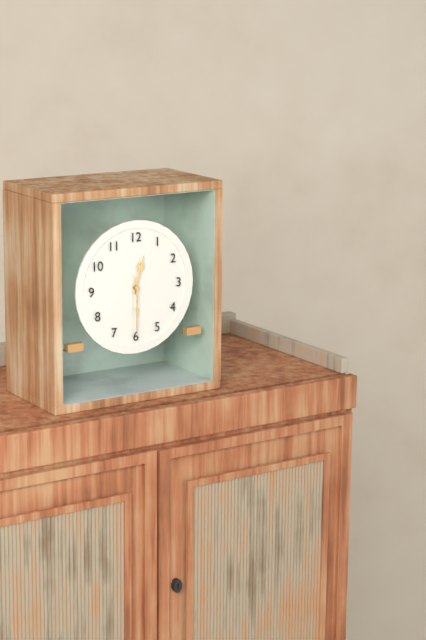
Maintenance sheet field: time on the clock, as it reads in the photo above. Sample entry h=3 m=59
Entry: h=12 m=30
